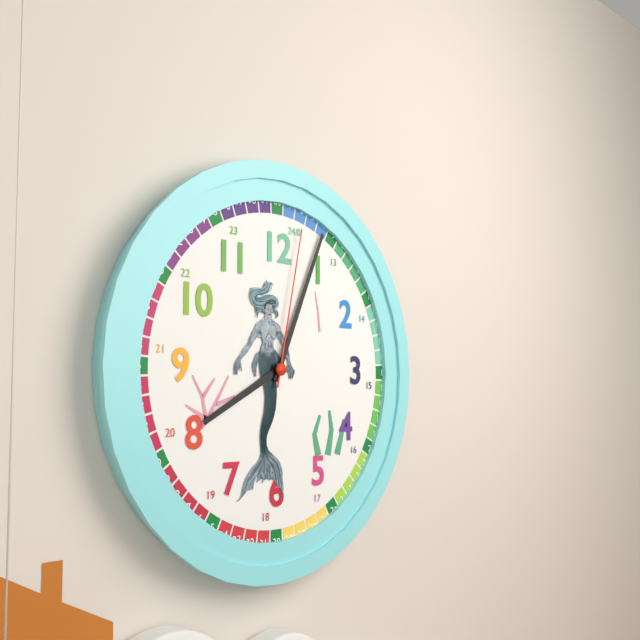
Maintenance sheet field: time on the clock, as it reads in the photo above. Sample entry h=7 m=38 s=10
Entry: h=8 m=4 s=2
